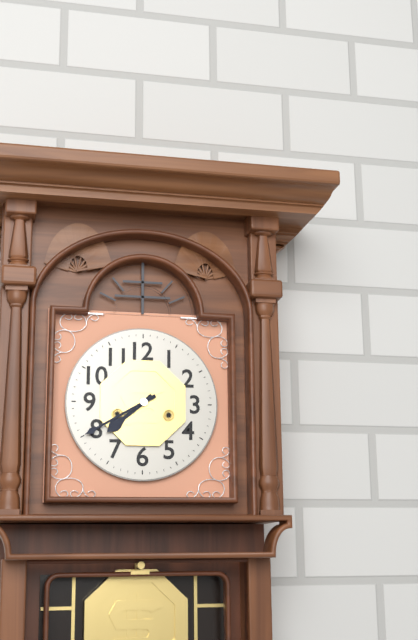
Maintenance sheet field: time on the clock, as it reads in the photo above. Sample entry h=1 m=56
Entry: h=7 m=40
